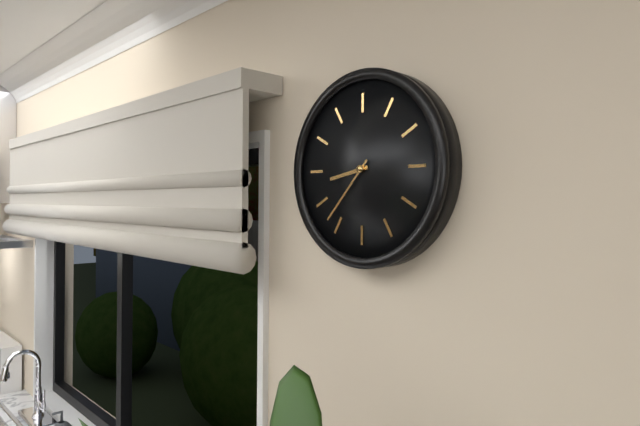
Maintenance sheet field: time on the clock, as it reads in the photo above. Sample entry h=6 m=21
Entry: h=8 m=37
